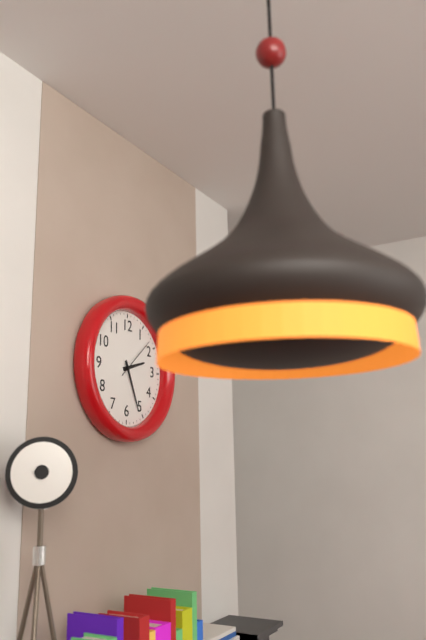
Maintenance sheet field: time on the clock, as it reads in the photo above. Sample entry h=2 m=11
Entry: h=2 m=26
